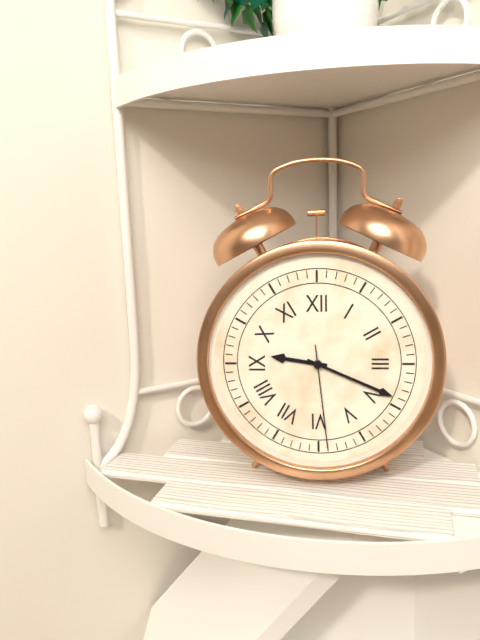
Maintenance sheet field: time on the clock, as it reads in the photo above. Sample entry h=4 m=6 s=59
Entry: h=9 m=19 s=29
